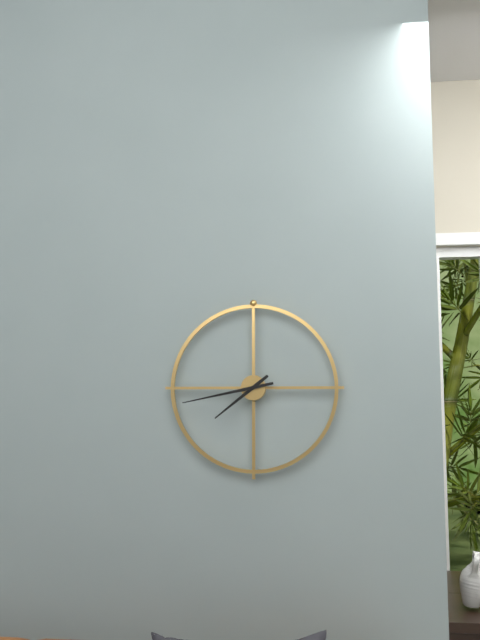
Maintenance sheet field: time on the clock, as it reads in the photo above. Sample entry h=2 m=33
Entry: h=7 m=43
